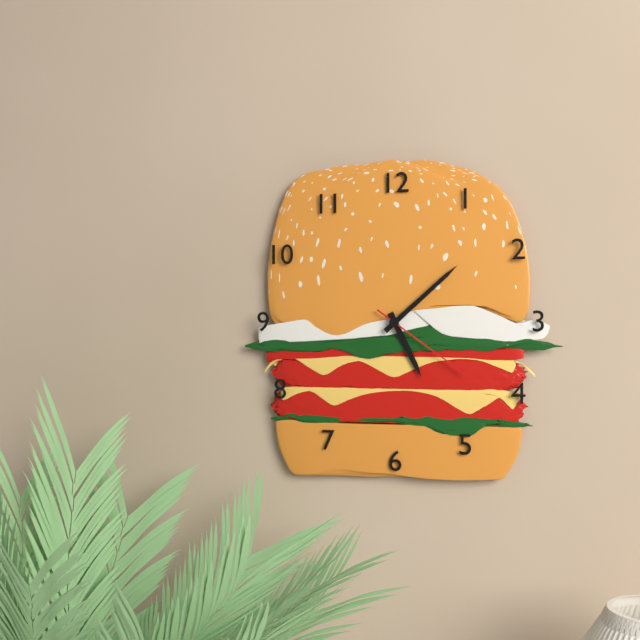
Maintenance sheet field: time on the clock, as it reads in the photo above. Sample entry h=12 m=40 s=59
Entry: h=5 m=8 s=21
